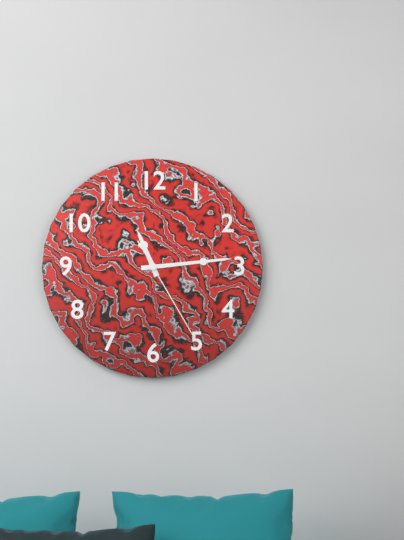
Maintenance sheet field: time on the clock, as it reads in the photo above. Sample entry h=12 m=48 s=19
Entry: h=11 m=14 s=25
